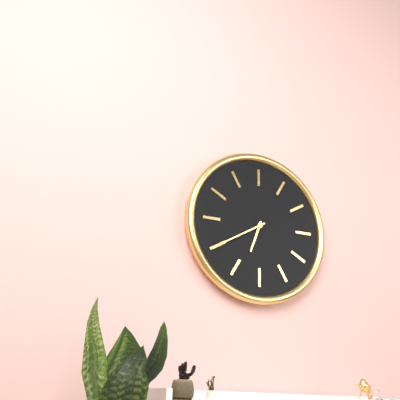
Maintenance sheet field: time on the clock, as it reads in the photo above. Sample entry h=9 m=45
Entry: h=6 m=40
